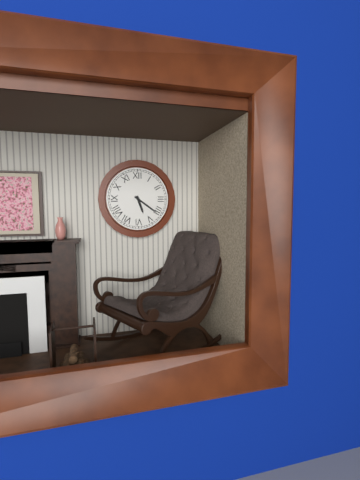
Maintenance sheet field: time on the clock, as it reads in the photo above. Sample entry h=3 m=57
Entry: h=5 m=21
